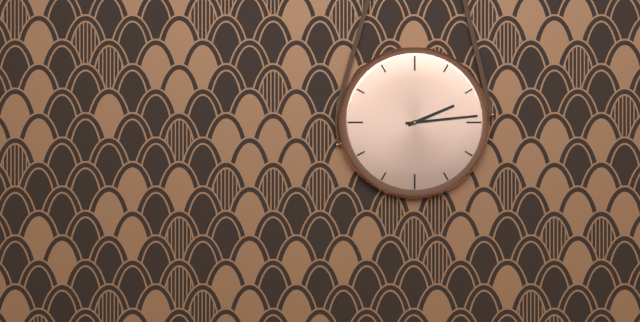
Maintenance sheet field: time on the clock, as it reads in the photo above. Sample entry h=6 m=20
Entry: h=2 m=14
